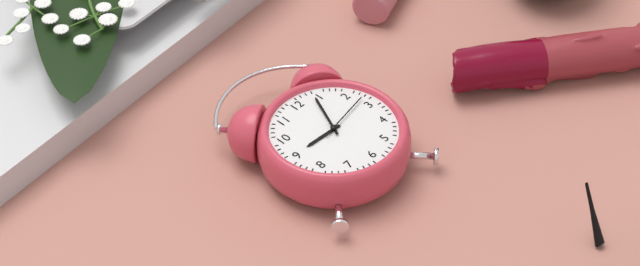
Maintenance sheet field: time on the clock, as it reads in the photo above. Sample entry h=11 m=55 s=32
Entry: h=9 m=4 s=13
